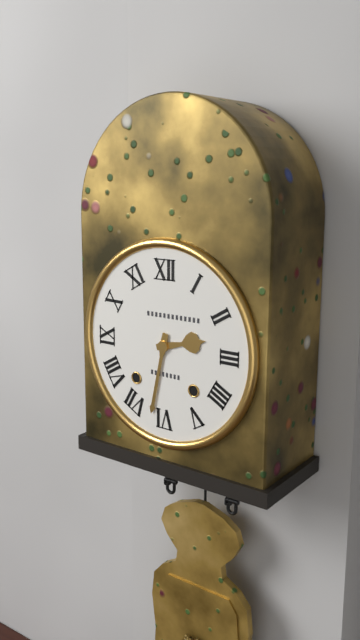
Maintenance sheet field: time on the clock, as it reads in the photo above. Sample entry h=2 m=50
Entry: h=2 m=32
